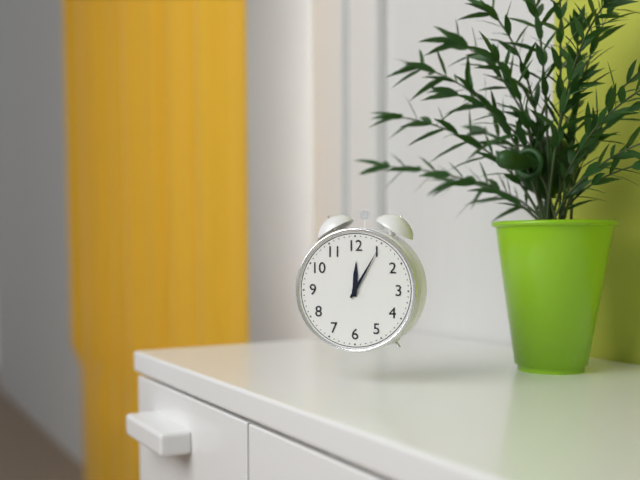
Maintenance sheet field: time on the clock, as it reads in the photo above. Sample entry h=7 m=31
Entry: h=12 m=5
